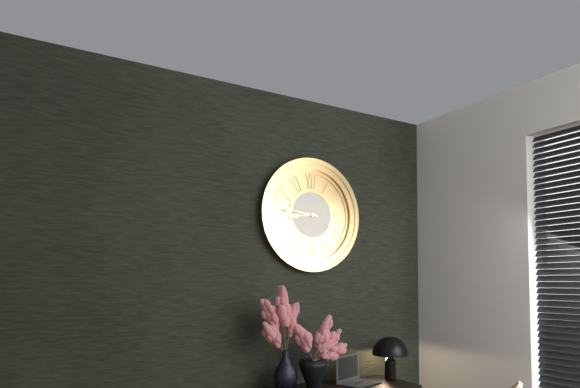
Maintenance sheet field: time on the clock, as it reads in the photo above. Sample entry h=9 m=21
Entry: h=8 m=46
